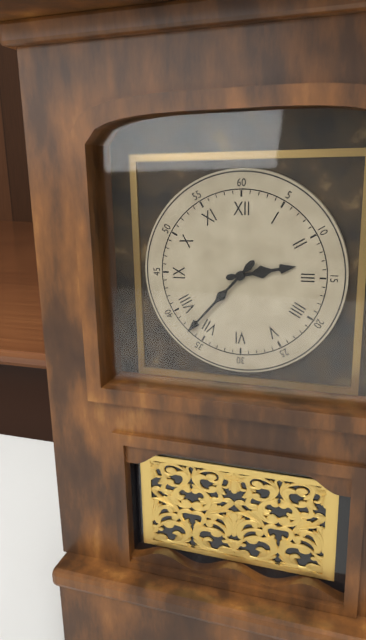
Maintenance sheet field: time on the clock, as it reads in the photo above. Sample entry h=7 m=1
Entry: h=2 m=37
